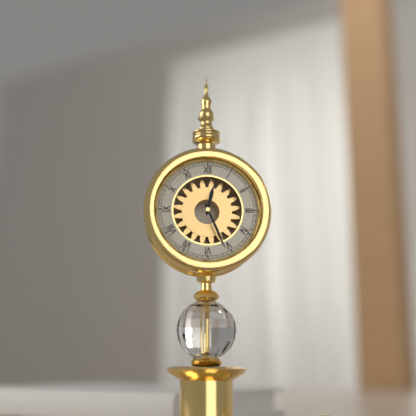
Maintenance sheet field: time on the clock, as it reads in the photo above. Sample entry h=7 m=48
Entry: h=12 m=26
